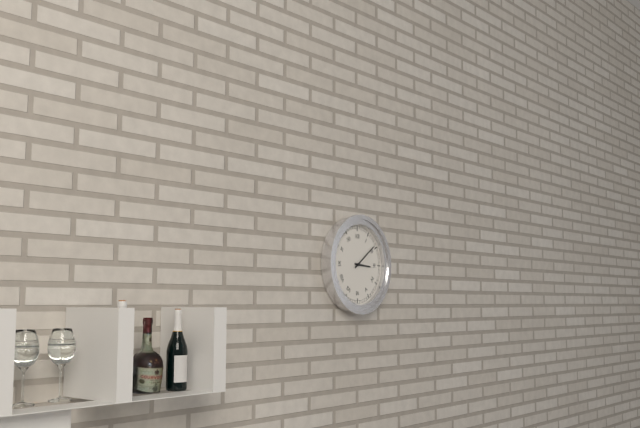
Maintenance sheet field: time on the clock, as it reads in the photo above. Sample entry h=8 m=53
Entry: h=3 m=9
